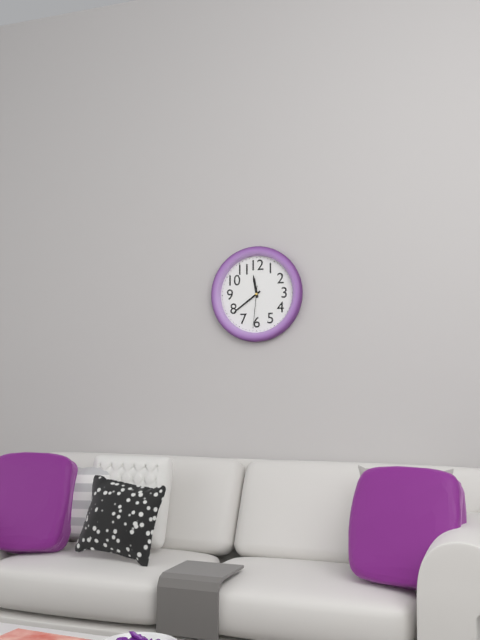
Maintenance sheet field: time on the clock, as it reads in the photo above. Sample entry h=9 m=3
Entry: h=11 m=39
